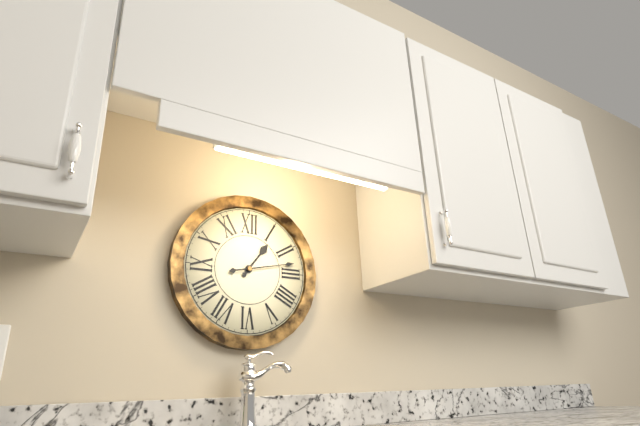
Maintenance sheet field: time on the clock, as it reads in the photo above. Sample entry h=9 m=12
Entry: h=1 m=13
